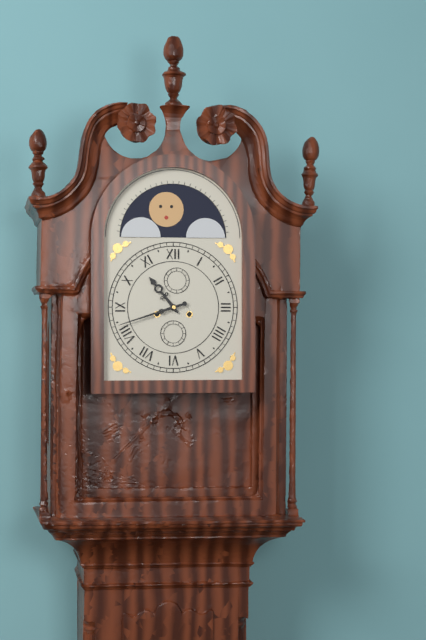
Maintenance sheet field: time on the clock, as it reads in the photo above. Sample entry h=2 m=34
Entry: h=10 m=42
